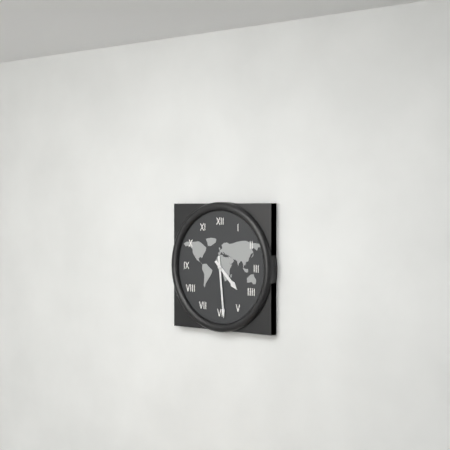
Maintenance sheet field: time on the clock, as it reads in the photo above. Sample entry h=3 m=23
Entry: h=4 m=29
